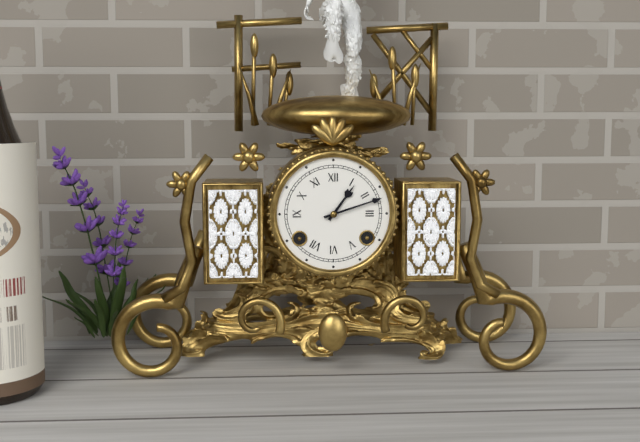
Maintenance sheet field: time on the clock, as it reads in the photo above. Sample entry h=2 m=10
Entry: h=1 m=12
